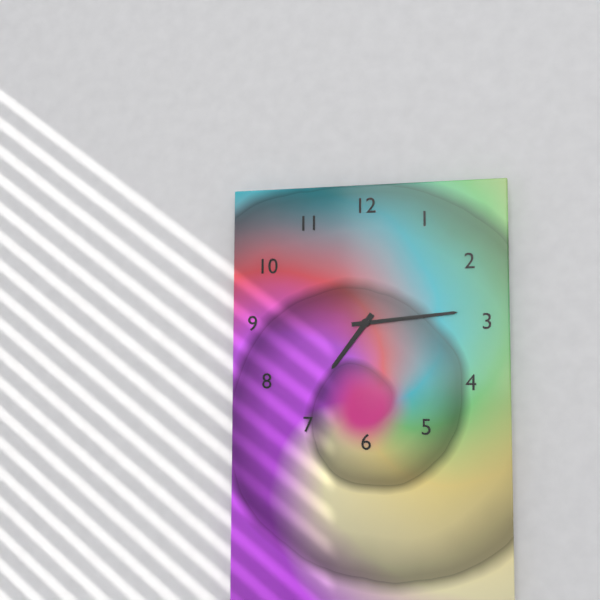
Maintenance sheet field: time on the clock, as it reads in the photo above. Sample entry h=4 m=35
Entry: h=7 m=14
